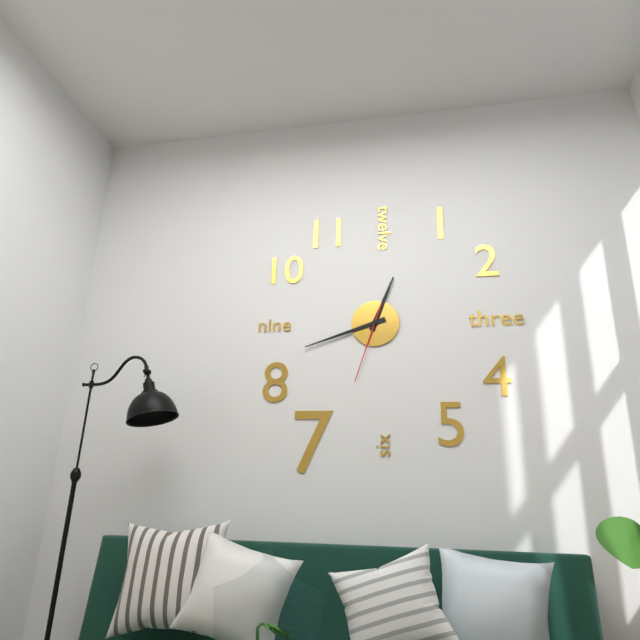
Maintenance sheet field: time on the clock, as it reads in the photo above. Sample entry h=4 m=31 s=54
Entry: h=12 m=42 s=33
